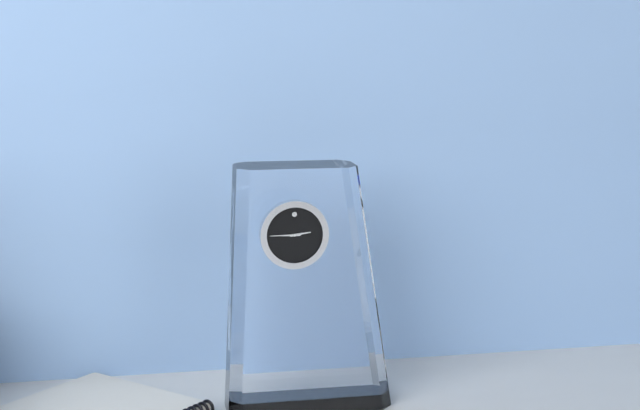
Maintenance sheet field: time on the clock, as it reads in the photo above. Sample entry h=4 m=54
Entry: h=2 m=45
